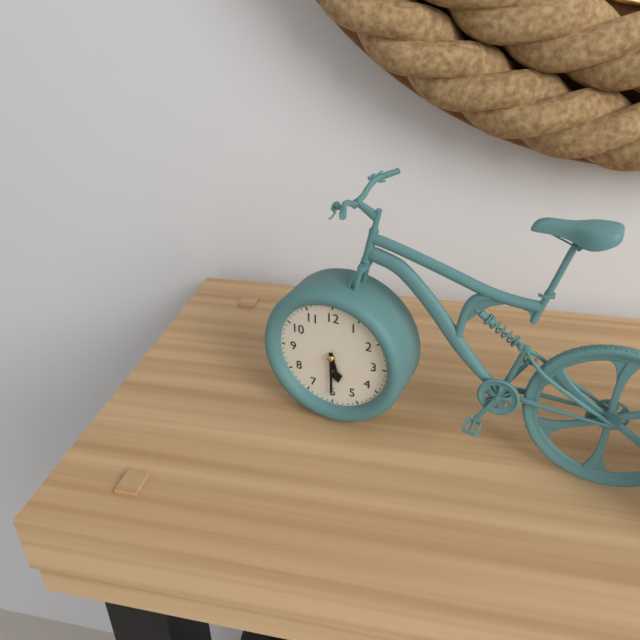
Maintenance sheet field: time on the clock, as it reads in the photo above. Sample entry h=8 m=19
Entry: h=5 m=30
